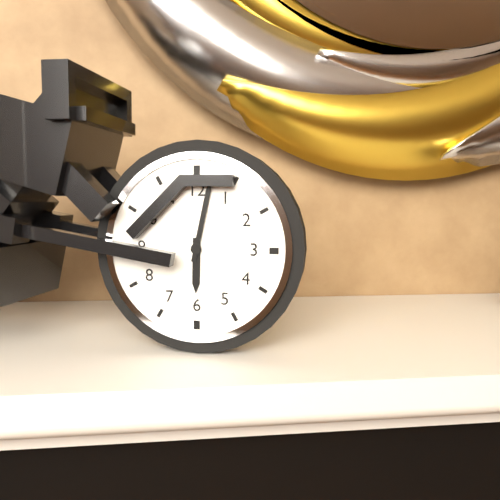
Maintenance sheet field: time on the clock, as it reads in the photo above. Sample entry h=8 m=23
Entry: h=6 m=2
